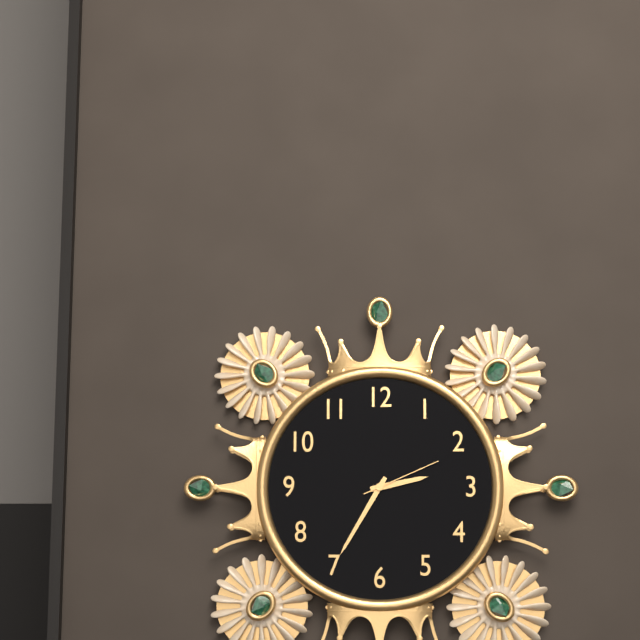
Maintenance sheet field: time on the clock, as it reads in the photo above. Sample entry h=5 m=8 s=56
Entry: h=2 m=35 s=11
